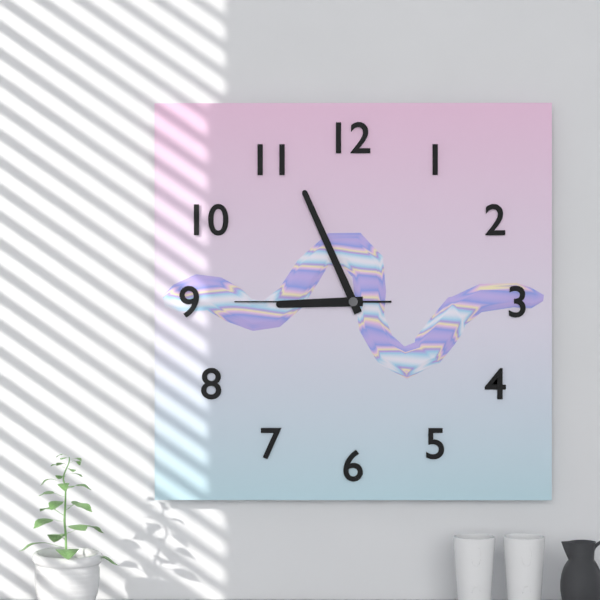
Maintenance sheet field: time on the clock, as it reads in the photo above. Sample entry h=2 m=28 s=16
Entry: h=8 m=56 s=45
